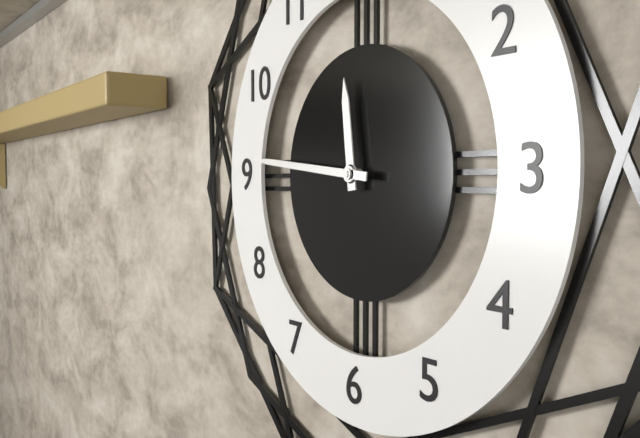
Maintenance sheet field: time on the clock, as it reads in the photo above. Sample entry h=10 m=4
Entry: h=11 m=46
